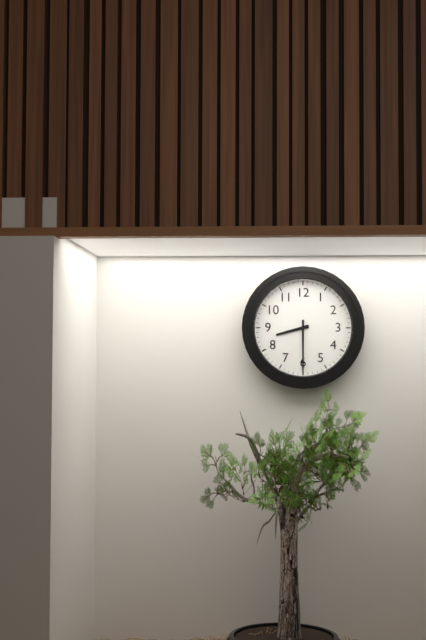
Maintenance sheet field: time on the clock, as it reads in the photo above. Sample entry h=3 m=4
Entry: h=8 m=30
